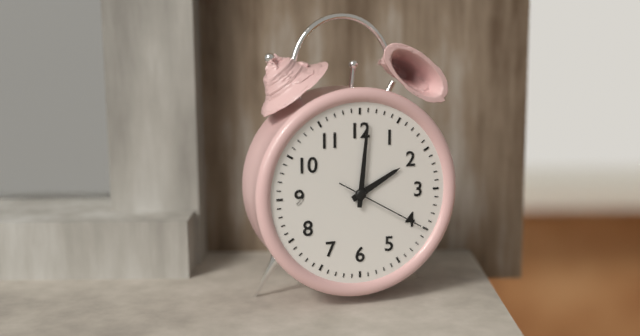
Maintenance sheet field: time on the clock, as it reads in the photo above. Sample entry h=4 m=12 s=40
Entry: h=2 m=1 s=20
